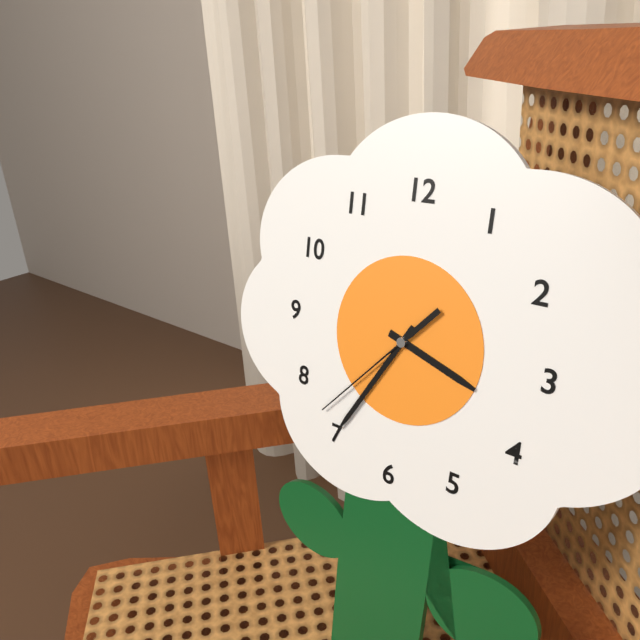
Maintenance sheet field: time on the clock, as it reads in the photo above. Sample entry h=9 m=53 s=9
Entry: h=3 m=35 s=37
